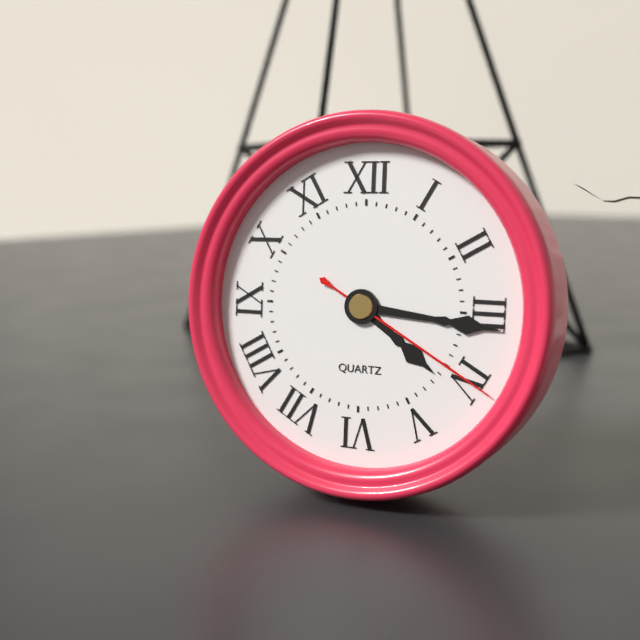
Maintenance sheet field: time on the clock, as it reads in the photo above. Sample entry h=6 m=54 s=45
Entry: h=4 m=16 s=20
